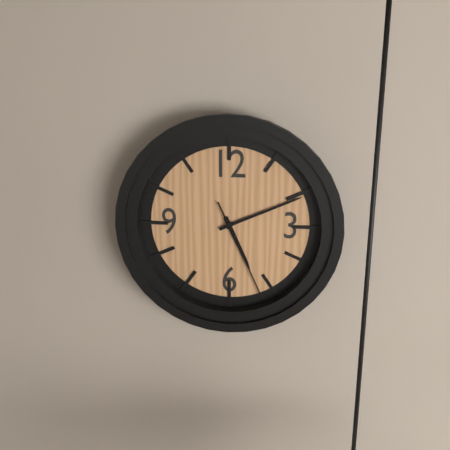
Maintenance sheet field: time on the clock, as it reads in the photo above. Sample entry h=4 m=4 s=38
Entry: h=5 m=11 s=26
